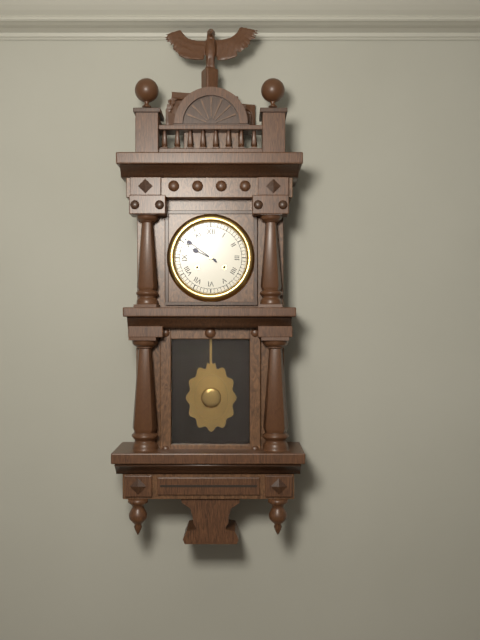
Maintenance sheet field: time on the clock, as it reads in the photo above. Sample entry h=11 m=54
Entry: h=9 m=51
